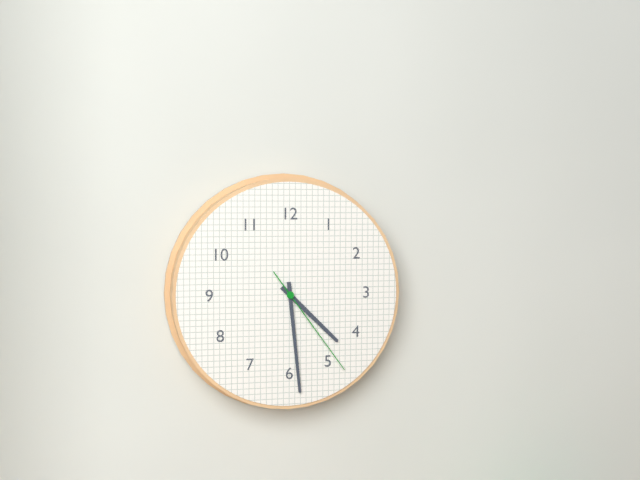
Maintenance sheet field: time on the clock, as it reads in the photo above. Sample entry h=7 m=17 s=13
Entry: h=4 m=29 s=24
